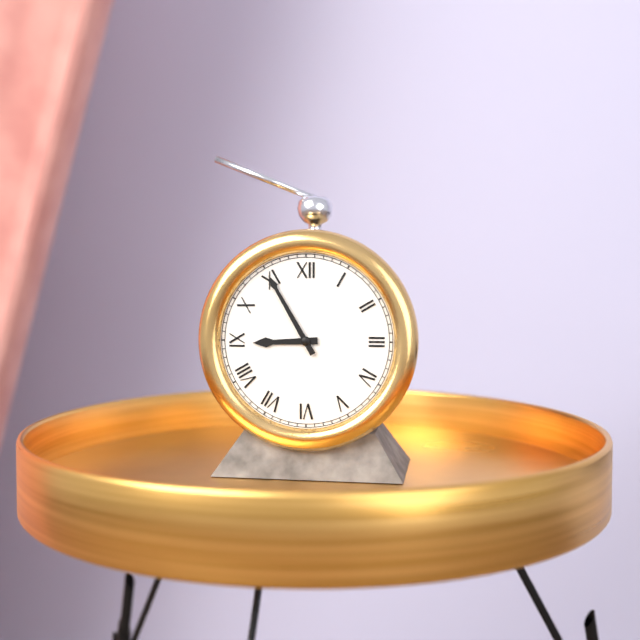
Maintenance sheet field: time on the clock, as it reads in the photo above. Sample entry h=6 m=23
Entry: h=8 m=55
